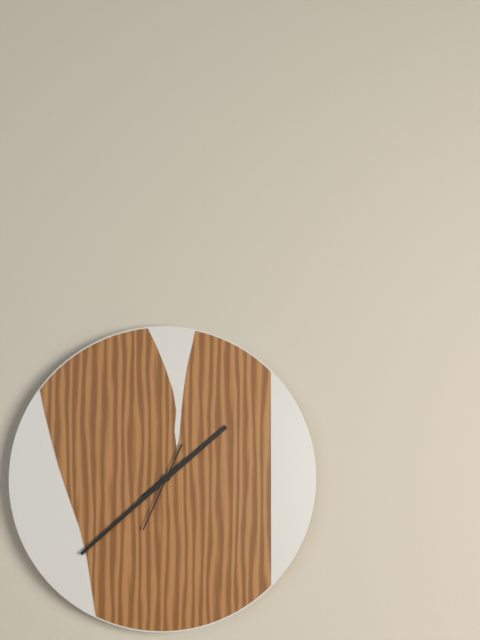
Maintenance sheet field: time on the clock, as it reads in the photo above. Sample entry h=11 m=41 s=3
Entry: h=1 m=38 s=34
